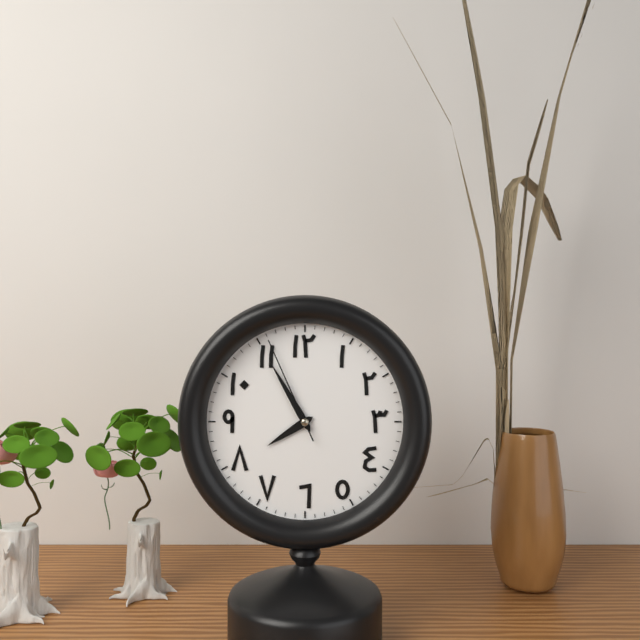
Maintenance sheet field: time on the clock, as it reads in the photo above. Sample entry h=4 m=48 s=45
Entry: h=7 m=55 s=56
